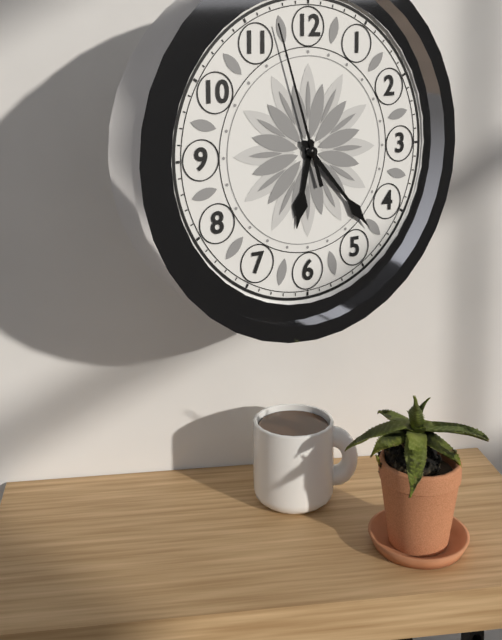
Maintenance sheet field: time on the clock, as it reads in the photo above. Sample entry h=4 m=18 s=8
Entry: h=6 m=23 s=57
